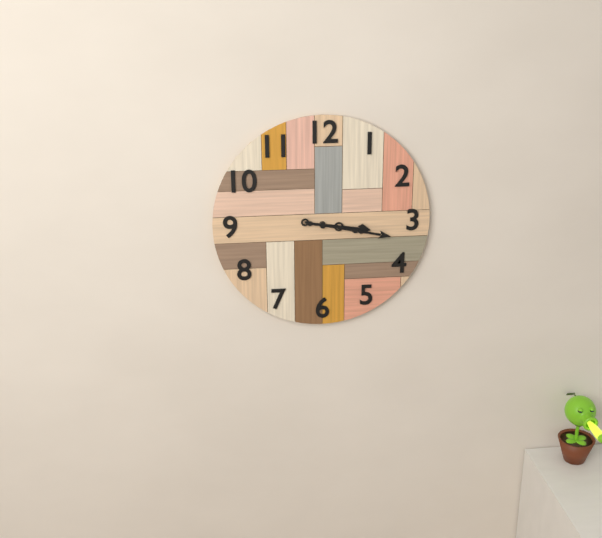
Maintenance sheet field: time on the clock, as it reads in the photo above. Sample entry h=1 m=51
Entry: h=3 m=17
